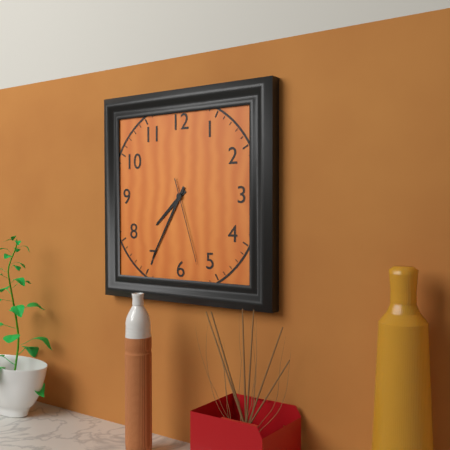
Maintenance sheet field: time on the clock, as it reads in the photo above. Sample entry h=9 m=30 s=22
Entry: h=7 m=35 s=27
